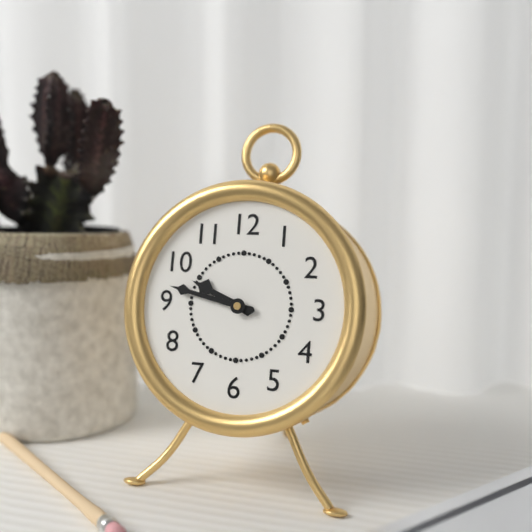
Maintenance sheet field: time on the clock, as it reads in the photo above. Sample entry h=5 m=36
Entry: h=9 m=47
